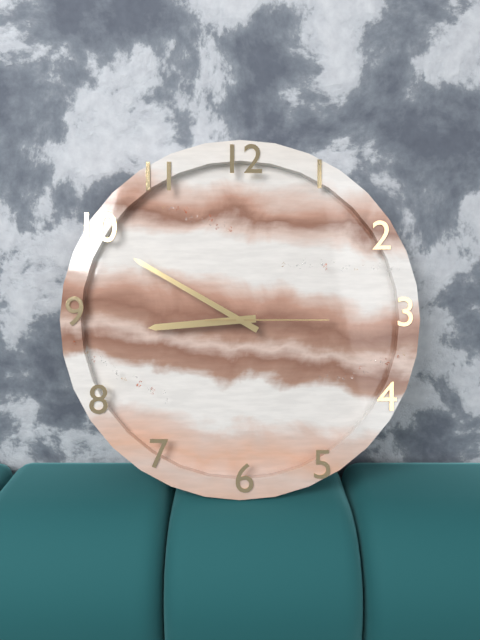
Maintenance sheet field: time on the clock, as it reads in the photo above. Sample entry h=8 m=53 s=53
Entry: h=8 m=50 s=15
